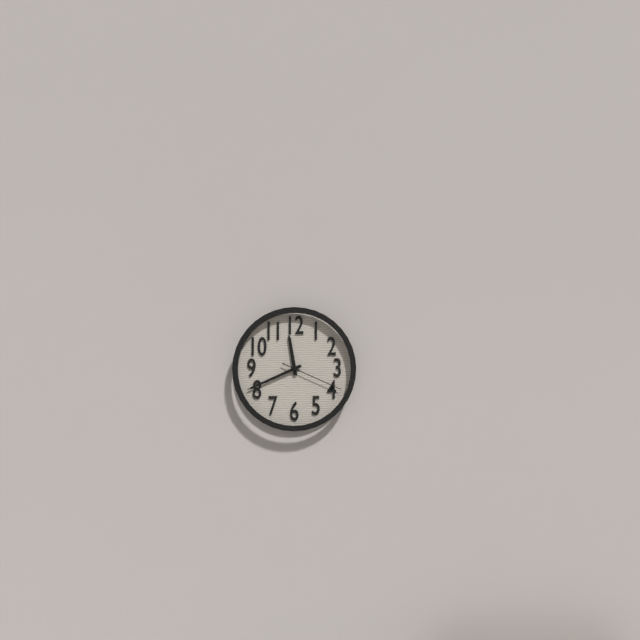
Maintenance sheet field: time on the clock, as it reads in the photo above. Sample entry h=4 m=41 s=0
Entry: h=11 m=41 s=19
